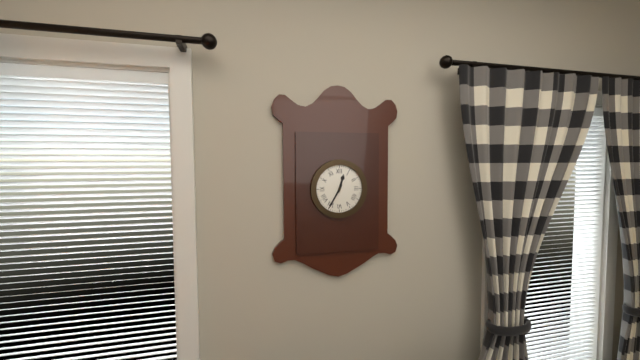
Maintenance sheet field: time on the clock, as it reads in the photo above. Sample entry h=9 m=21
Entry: h=12 m=35
